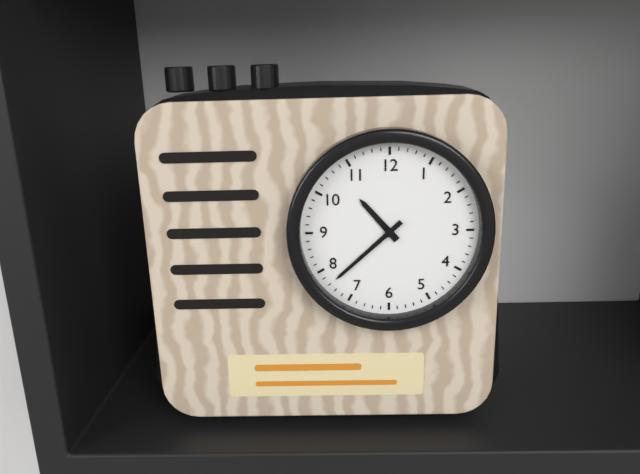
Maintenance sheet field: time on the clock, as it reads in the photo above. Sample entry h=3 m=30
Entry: h=10 m=38
